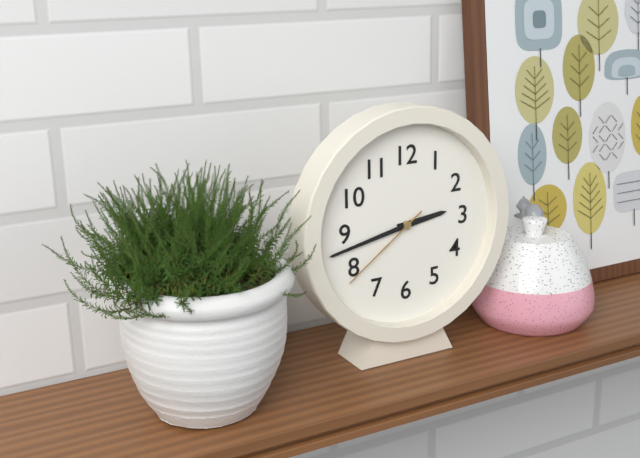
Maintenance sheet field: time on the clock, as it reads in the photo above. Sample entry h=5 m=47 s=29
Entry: h=2 m=43 s=39
